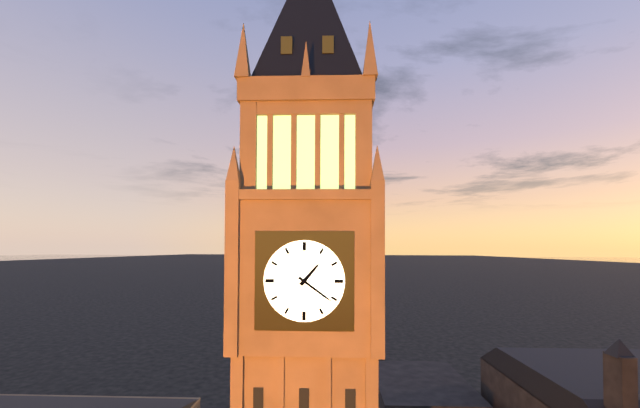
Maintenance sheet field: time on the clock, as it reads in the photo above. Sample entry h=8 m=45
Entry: h=1 m=21
